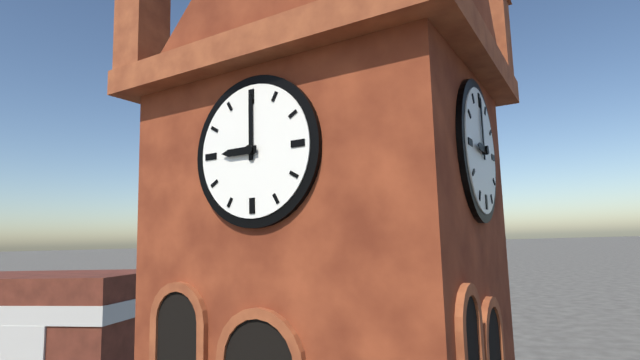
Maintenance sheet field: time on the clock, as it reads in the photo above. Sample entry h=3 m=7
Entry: h=9 m=0
